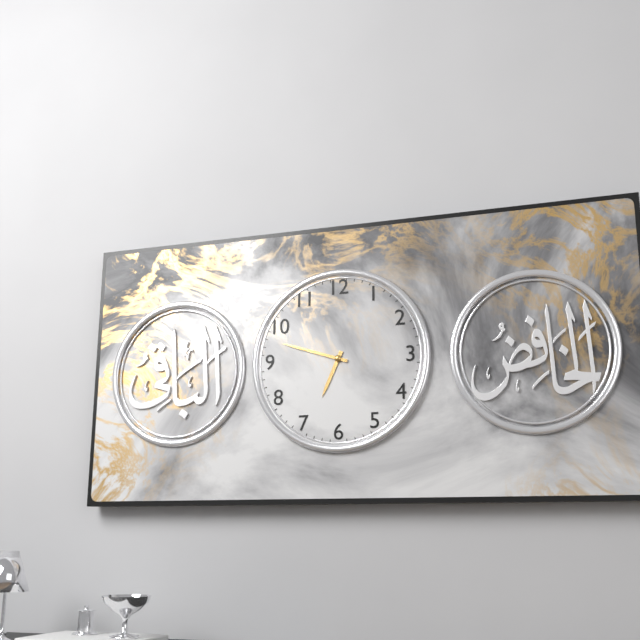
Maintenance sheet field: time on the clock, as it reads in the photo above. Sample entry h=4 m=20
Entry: h=6 m=48
